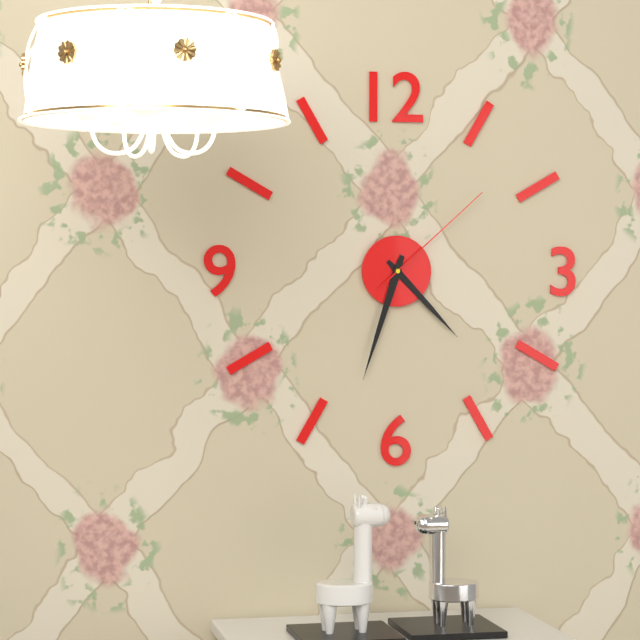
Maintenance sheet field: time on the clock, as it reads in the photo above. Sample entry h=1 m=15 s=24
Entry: h=4 m=33 s=8
